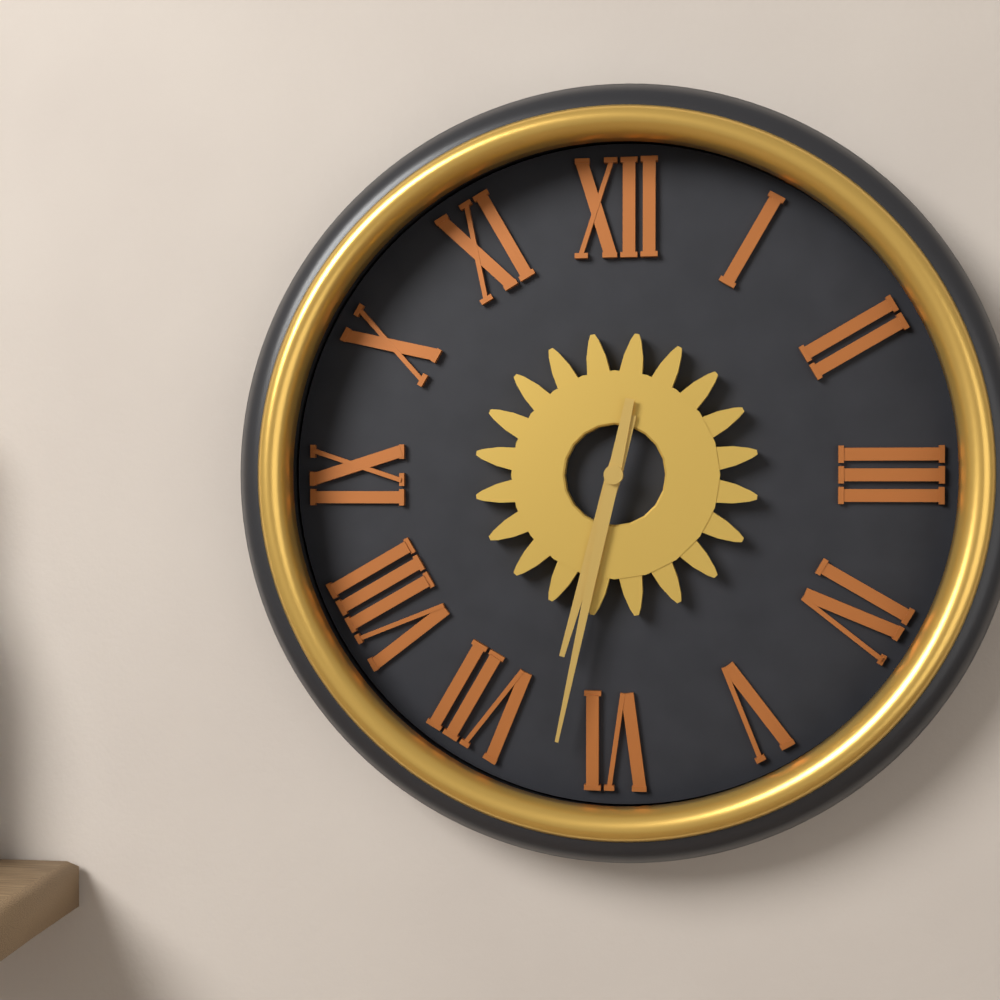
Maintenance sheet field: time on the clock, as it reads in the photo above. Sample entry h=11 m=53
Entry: h=6 m=32
